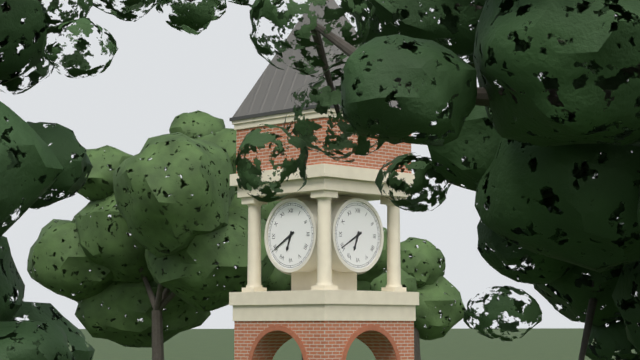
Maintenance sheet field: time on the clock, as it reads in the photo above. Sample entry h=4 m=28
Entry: h=6 m=40
